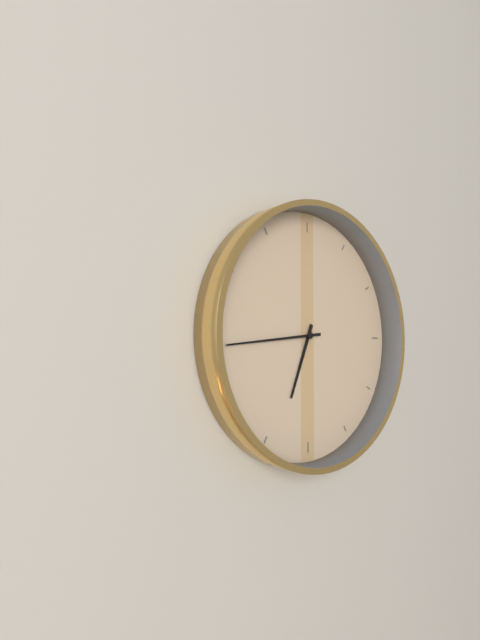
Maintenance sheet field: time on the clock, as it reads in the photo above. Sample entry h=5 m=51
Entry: h=6 m=44
